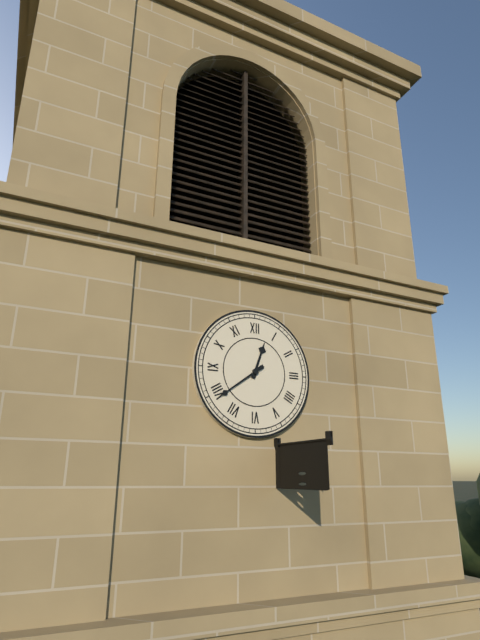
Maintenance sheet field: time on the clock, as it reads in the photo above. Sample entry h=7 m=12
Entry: h=12 m=39
